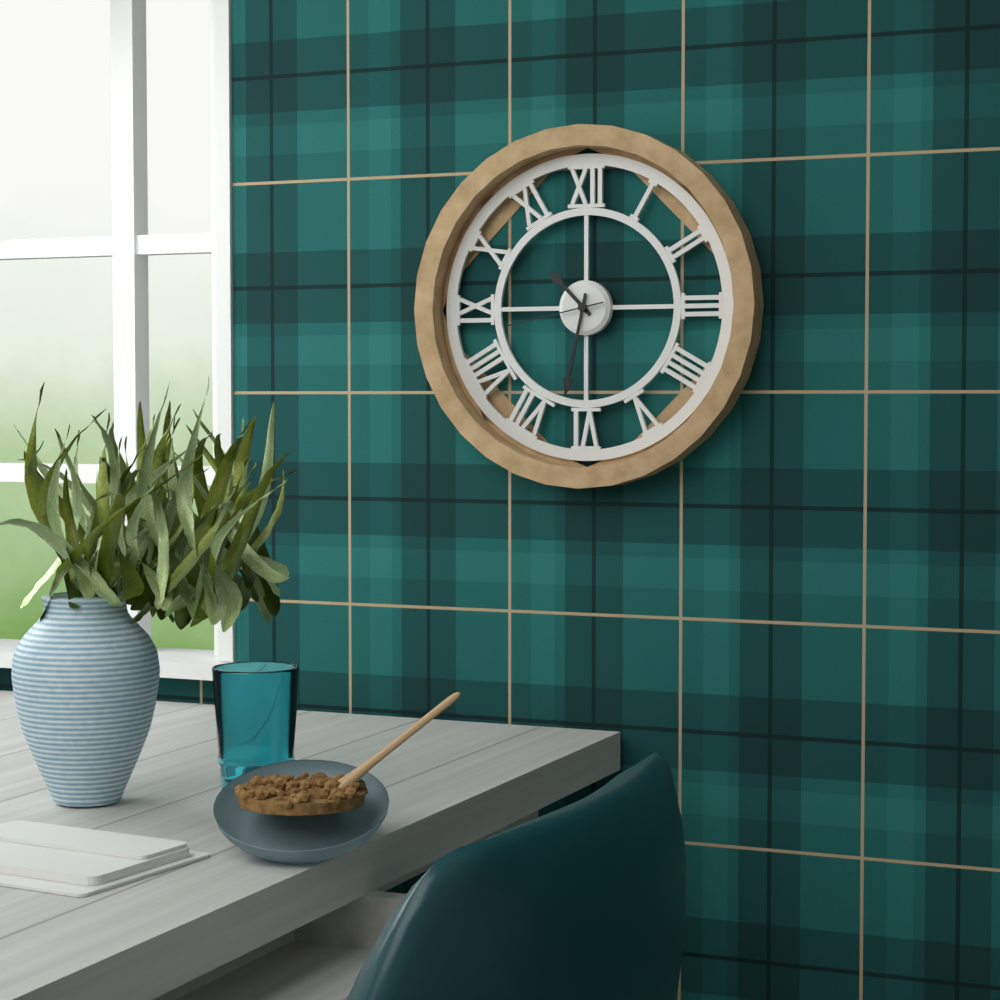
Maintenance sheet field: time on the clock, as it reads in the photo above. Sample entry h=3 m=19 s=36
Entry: h=10 m=32 s=43
